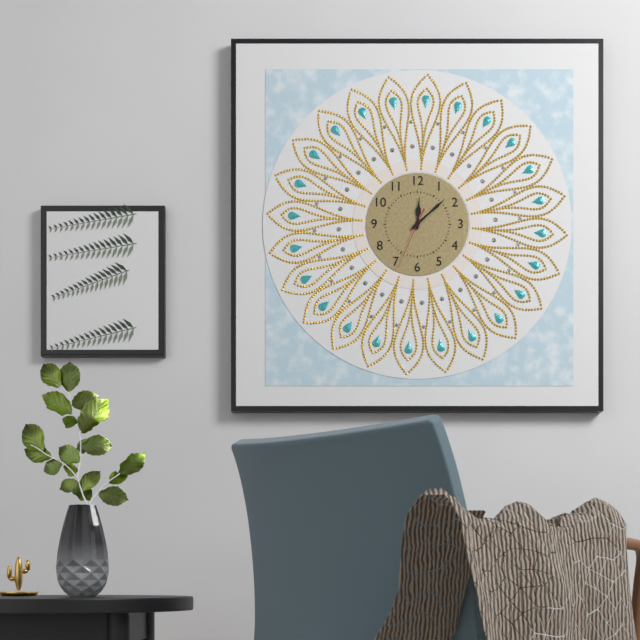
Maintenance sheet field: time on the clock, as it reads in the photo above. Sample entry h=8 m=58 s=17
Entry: h=12 m=8 s=34
